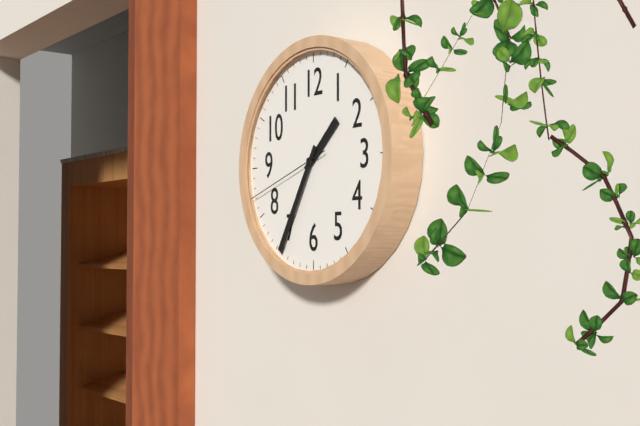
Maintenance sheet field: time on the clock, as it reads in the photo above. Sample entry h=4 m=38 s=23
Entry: h=1 m=35 s=42
